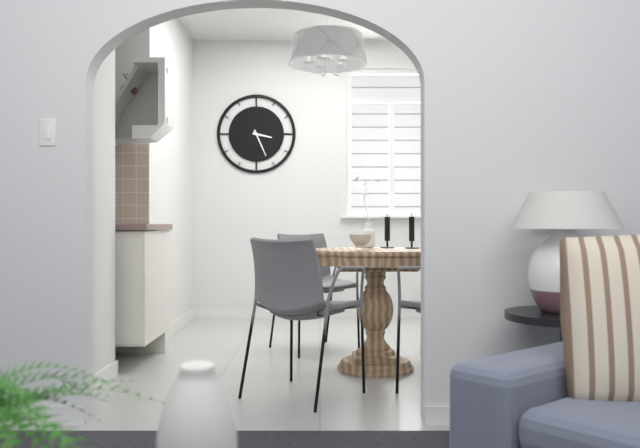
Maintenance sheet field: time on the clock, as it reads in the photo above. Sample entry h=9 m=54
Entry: h=3 m=26
